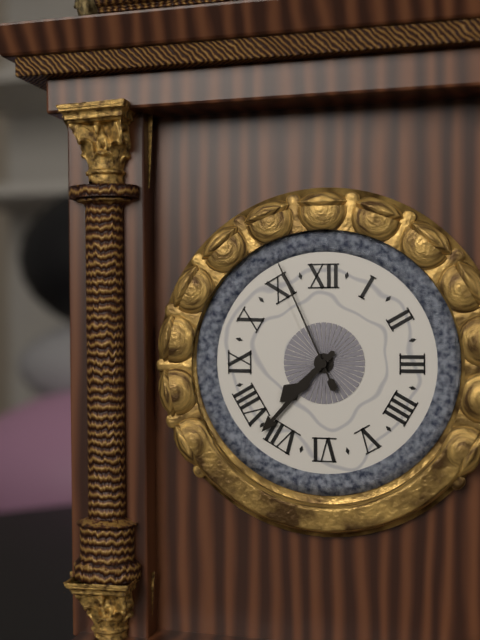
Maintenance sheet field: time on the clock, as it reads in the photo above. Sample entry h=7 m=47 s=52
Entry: h=7 m=37 s=56
